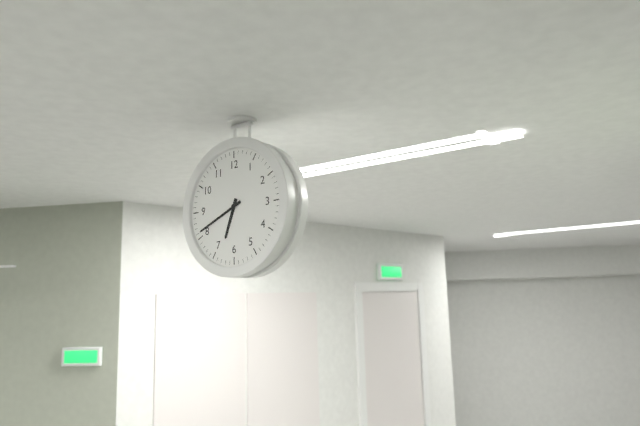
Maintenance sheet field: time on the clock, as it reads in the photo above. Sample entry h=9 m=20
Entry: h=6 m=41
